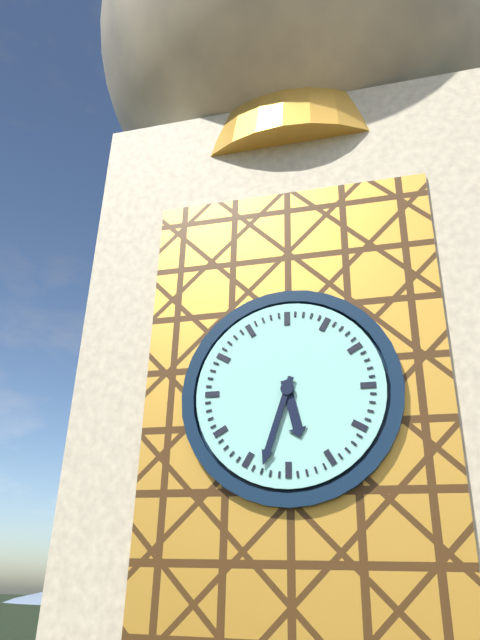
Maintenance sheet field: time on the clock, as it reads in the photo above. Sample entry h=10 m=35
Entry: h=5 m=33
